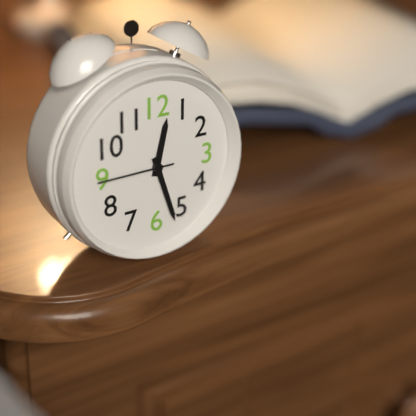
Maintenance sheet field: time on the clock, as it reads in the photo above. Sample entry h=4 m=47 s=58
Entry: h=12 m=27 s=45
